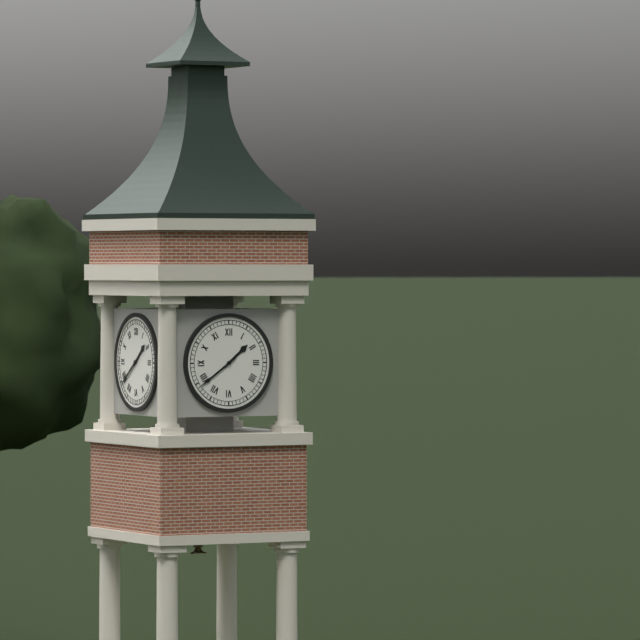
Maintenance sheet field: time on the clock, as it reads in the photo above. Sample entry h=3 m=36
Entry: h=1 m=39
